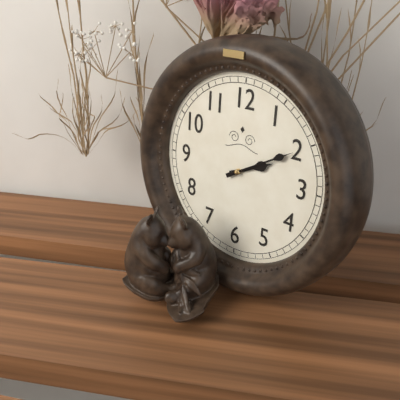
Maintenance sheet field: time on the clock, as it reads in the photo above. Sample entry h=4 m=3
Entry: h=2 m=10
